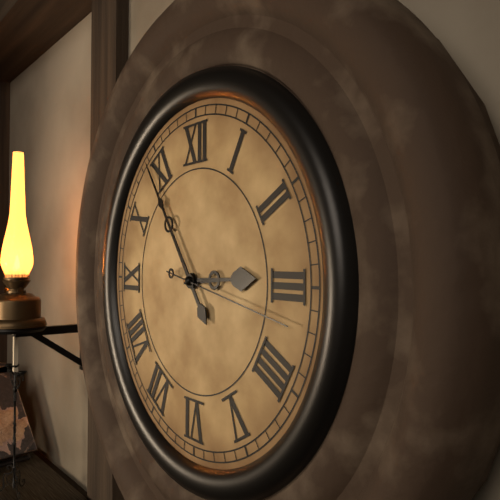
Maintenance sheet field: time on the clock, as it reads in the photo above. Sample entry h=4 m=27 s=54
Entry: h=2 m=54 s=17
